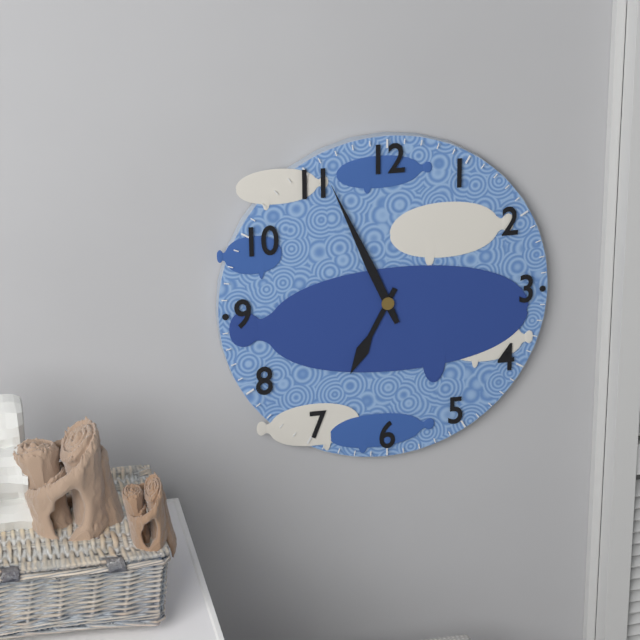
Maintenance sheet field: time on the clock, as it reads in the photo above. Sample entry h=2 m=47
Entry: h=6 m=56
